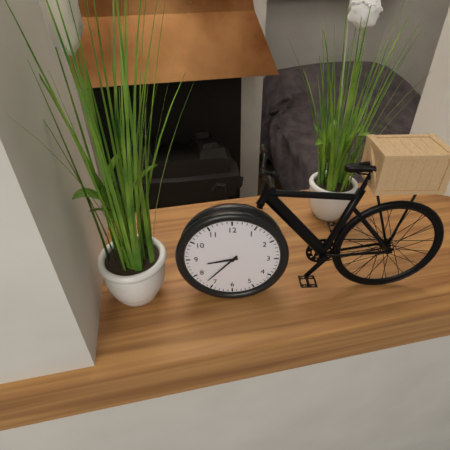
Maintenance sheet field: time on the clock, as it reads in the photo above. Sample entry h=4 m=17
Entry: h=8 m=37
